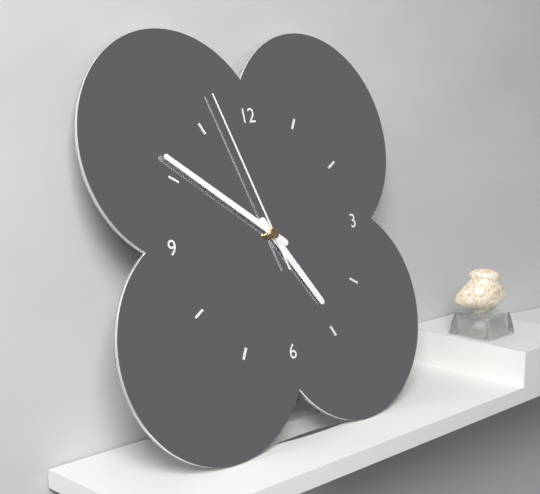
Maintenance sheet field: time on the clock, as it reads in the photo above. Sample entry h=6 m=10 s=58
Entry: h=4 m=51 s=57
